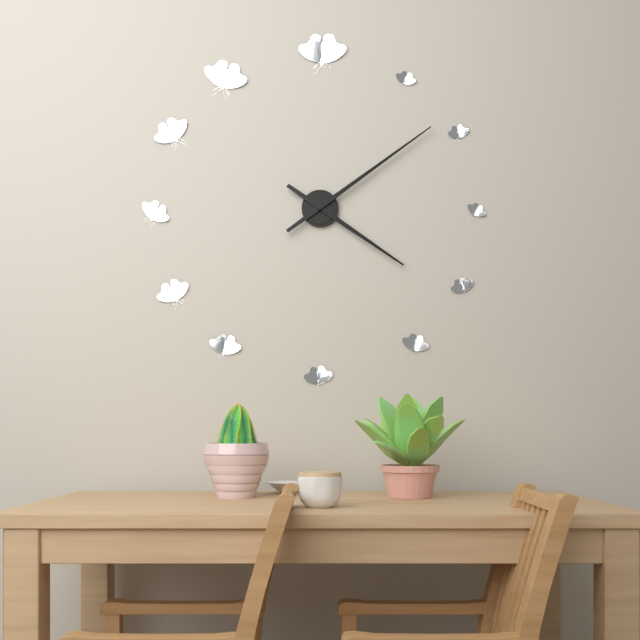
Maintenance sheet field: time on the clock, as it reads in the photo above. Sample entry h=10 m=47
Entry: h=4 m=9
